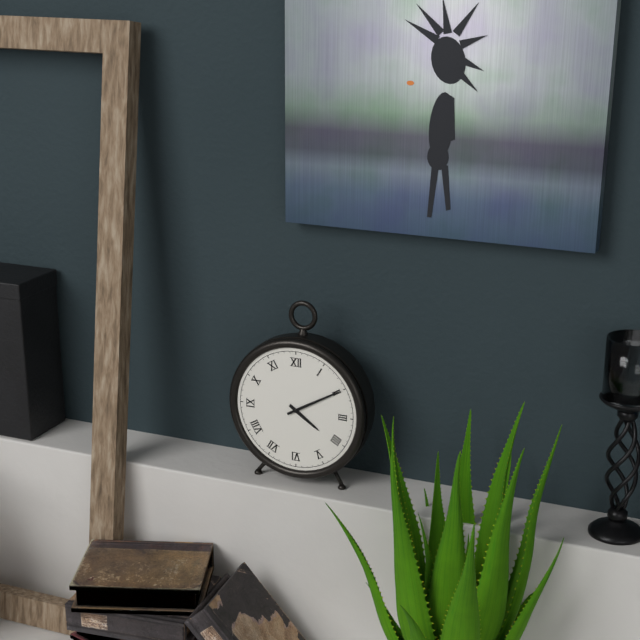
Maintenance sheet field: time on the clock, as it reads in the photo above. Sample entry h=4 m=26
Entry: h=4 m=10
